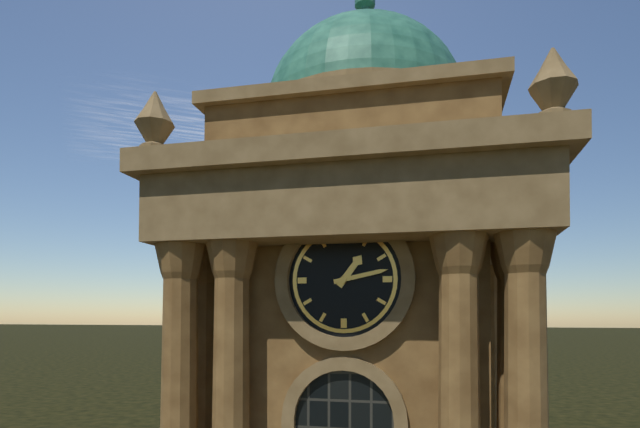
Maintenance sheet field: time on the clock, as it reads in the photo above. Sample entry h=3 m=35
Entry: h=1 m=13
